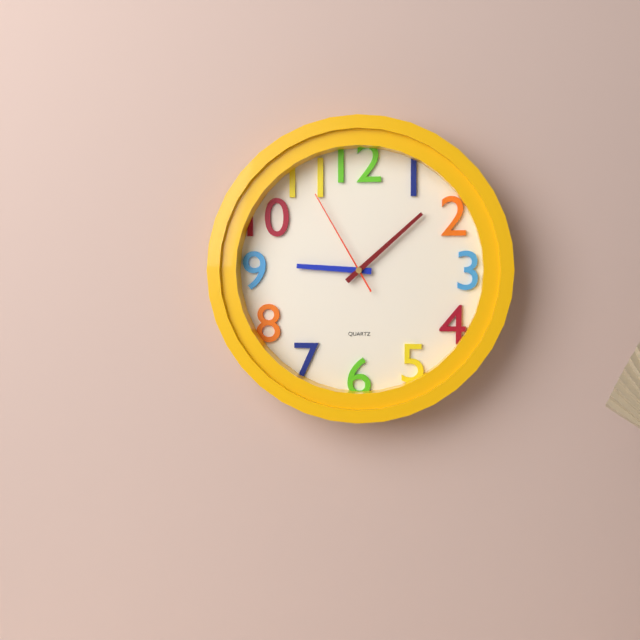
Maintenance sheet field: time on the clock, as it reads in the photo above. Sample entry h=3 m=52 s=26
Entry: h=9 m=8 s=55
